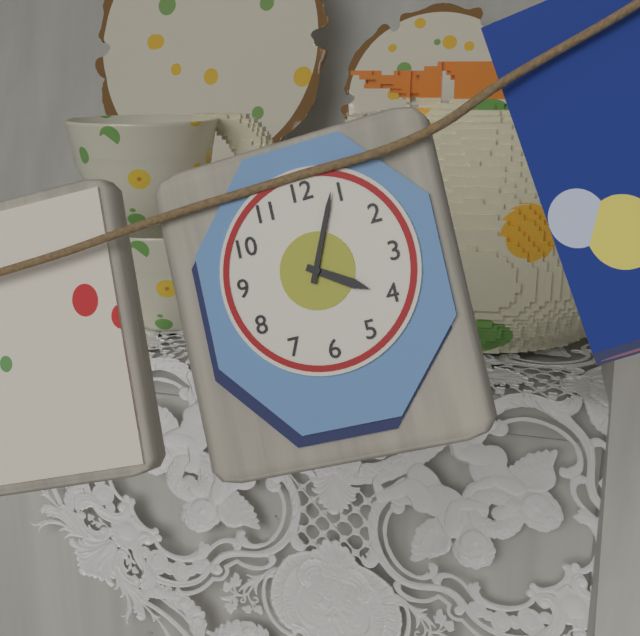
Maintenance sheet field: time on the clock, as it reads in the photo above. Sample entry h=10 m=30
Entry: h=4 m=4
